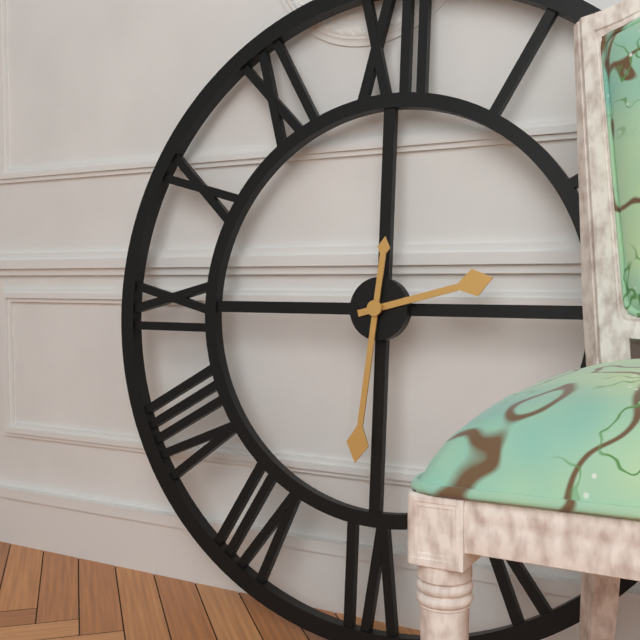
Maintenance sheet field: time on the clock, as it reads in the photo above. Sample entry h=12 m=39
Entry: h=2 m=31
